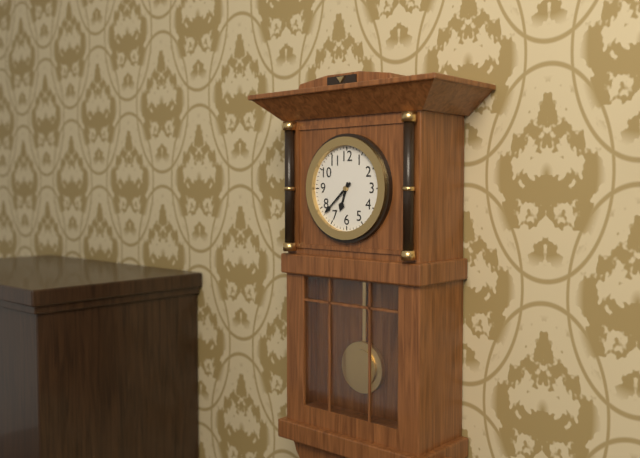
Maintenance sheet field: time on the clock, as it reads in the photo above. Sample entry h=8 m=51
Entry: h=6 m=38
